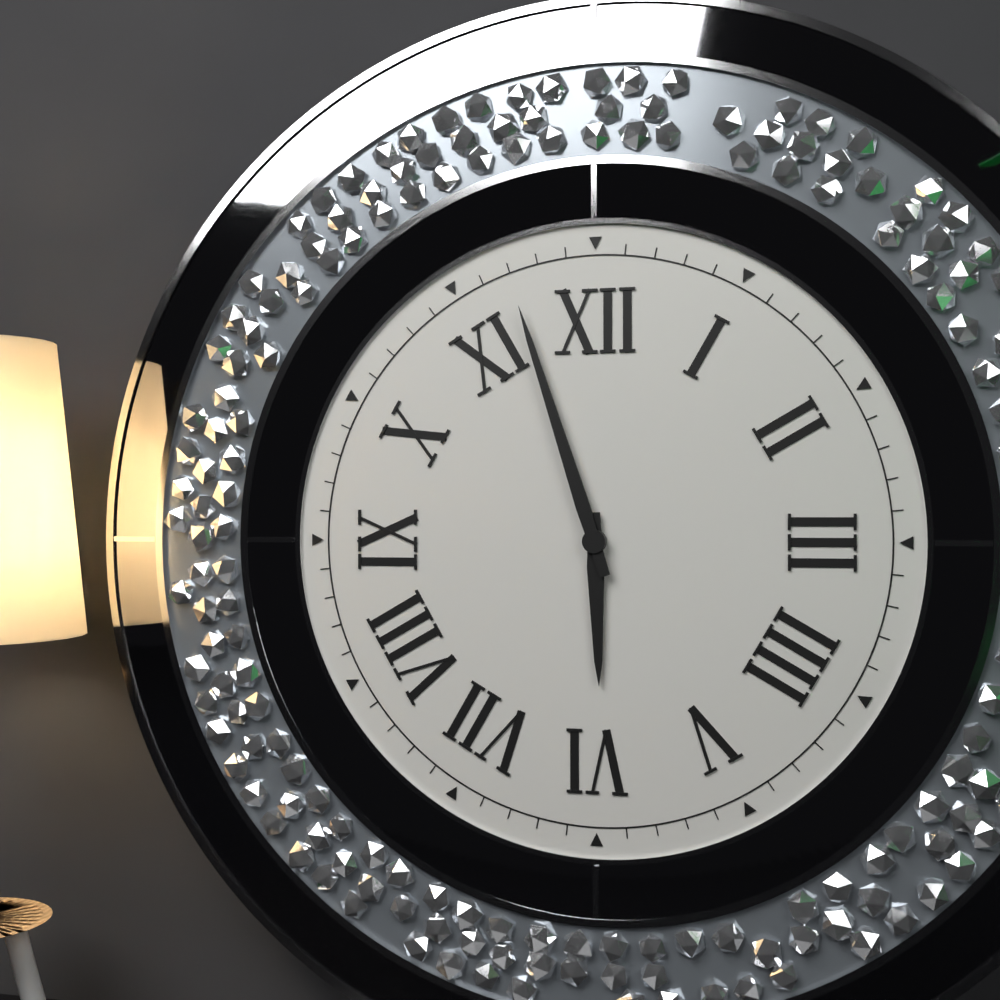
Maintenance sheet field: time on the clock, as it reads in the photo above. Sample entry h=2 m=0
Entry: h=5 m=57
